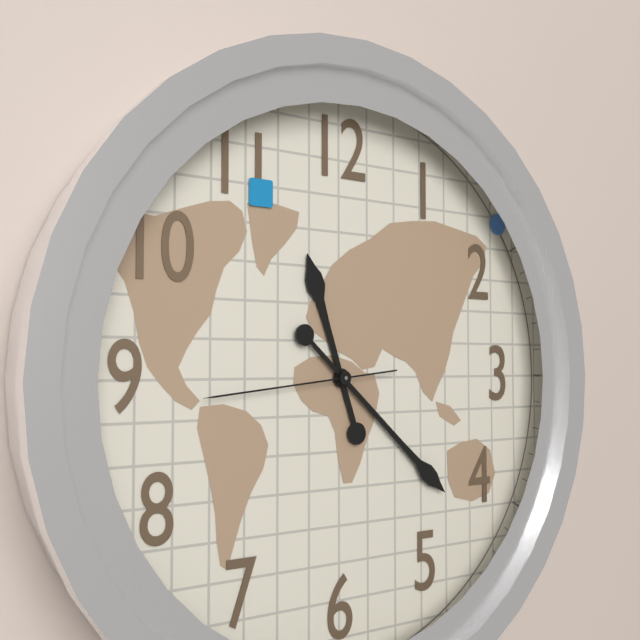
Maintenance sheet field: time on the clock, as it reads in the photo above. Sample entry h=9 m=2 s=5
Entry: h=11 m=22 s=44
